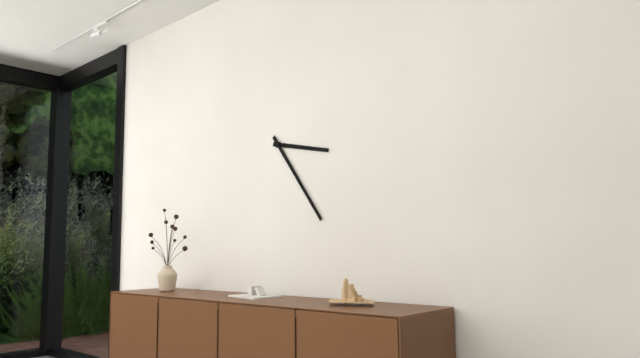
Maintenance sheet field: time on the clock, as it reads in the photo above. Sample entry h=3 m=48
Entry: h=3 m=24
